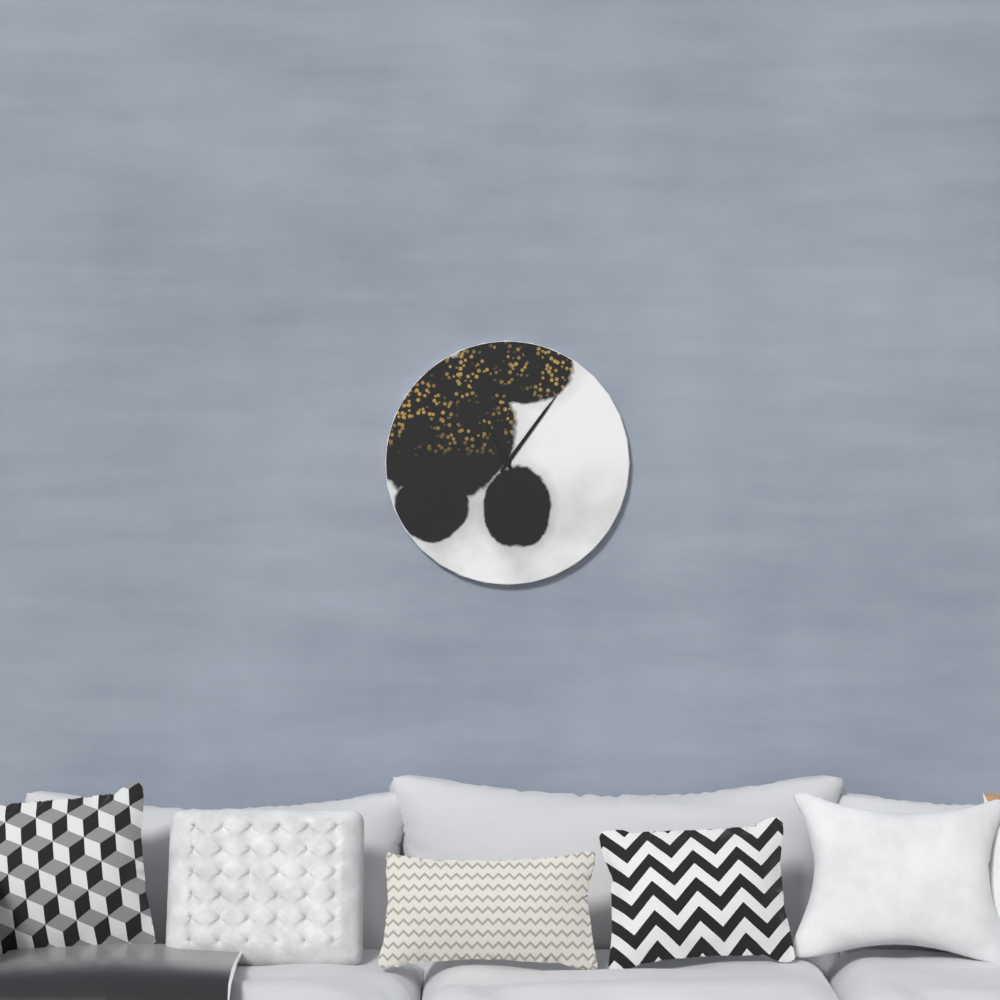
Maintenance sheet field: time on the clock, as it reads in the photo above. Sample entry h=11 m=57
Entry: h=11 m=6
